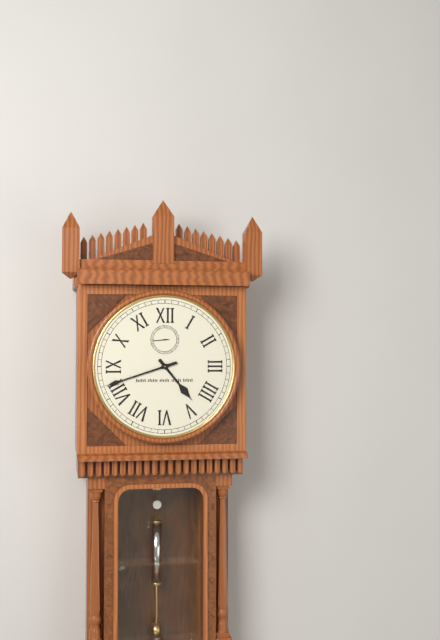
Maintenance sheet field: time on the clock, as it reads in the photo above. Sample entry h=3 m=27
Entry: h=4 m=42
